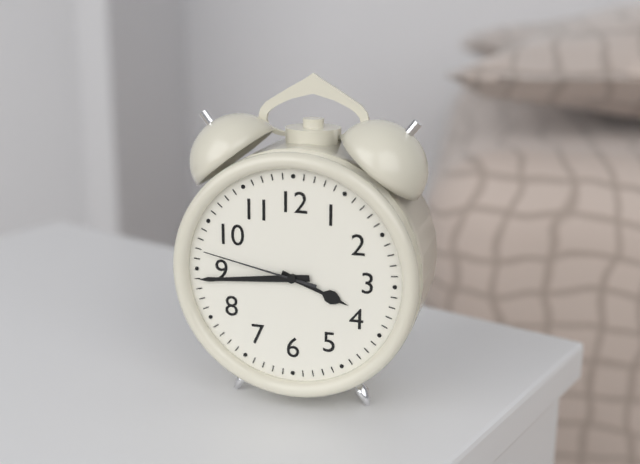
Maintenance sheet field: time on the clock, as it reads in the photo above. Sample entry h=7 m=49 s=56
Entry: h=3 m=44 s=47
